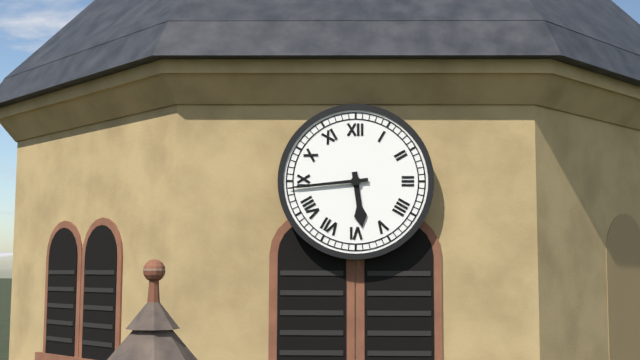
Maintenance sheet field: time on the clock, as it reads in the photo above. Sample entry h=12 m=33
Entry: h=5 m=44
